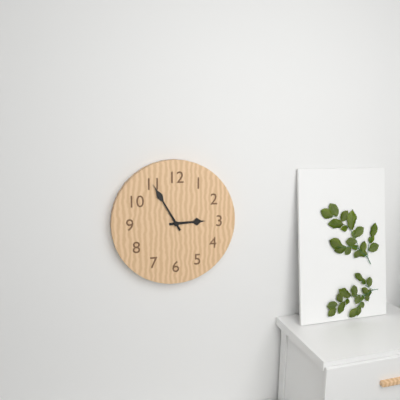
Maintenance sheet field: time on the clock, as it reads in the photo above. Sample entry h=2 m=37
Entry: h=2 m=55
